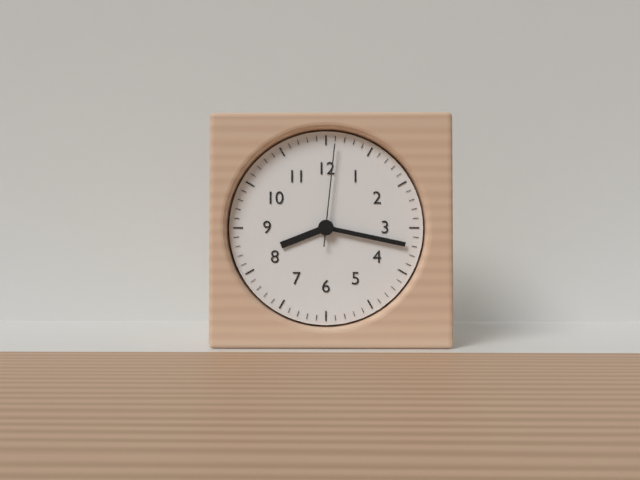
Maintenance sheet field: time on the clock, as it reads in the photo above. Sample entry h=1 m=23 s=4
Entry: h=8 m=17 s=1
